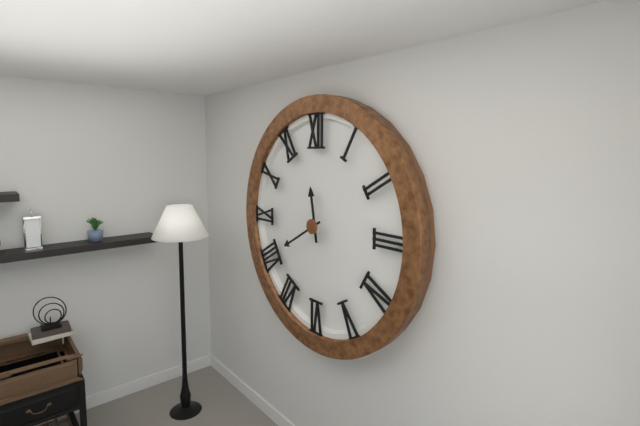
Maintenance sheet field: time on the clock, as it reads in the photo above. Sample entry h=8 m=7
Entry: h=11 m=40
